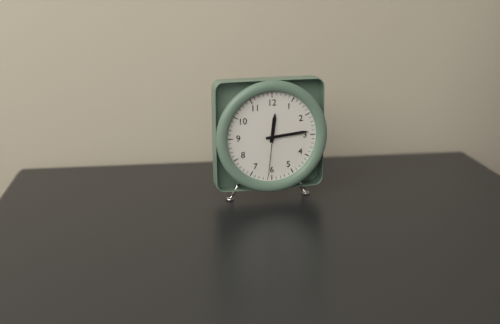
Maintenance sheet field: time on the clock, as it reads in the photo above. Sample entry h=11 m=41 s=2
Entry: h=12 m=14 s=31
